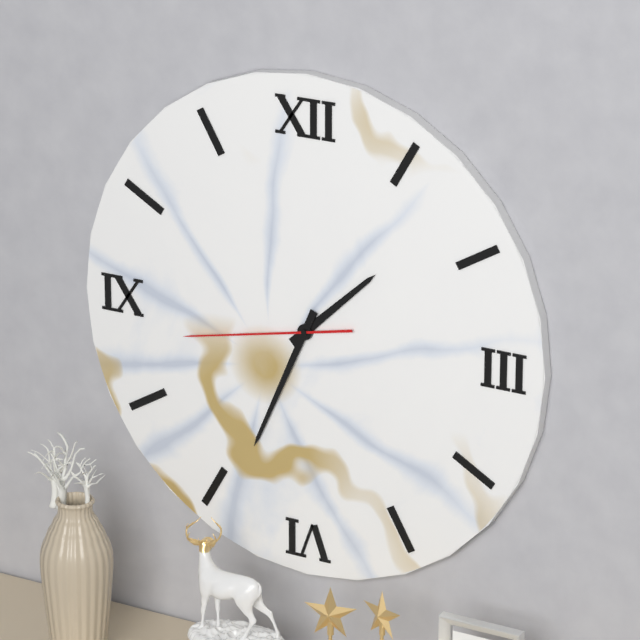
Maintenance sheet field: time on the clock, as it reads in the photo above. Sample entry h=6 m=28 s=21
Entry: h=1 m=34 s=43
